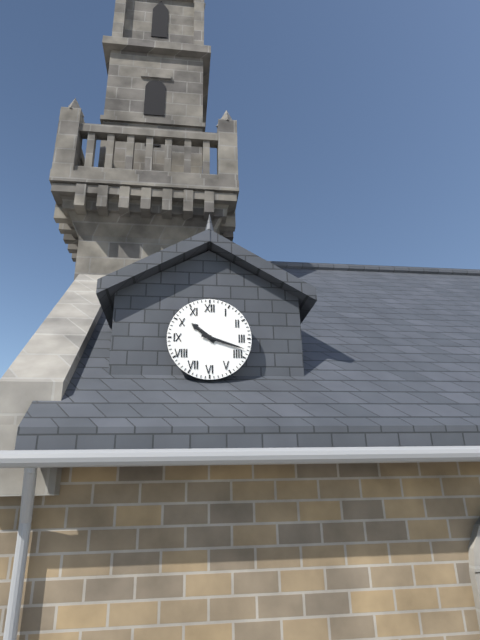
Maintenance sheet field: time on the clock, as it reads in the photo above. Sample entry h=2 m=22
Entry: h=10 m=18
